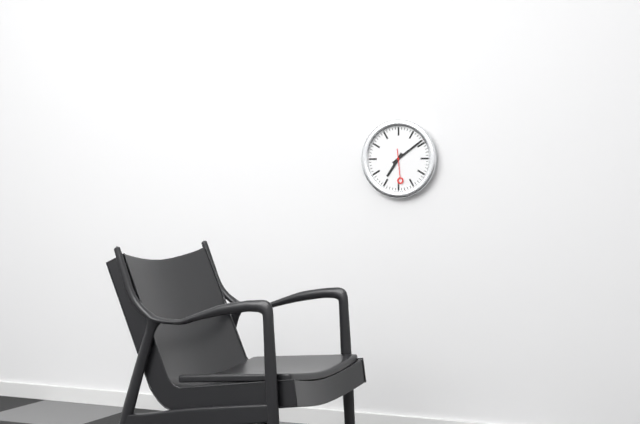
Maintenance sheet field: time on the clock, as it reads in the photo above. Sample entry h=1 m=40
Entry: h=7 m=9
